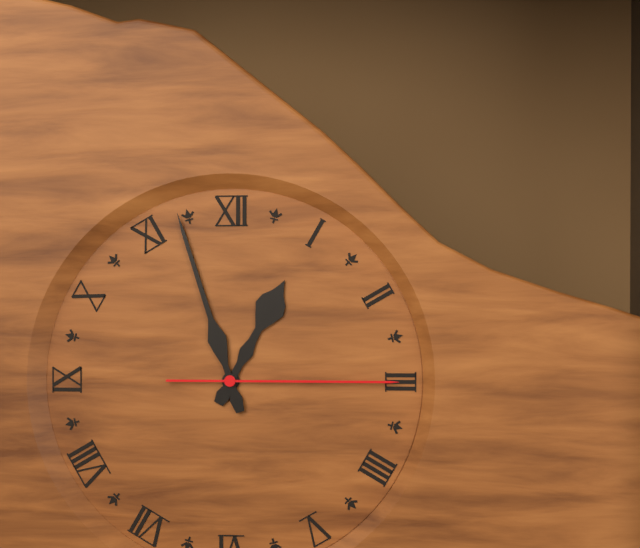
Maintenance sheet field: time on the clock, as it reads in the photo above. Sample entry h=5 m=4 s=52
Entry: h=12 m=57 s=15
